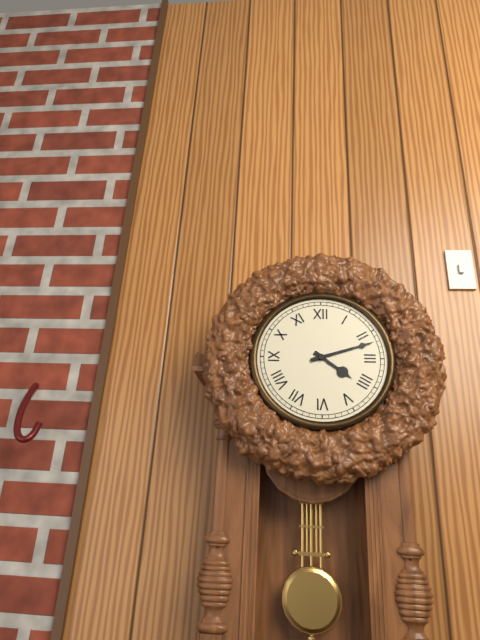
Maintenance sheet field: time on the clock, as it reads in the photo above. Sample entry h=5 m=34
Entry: h=4 m=12
